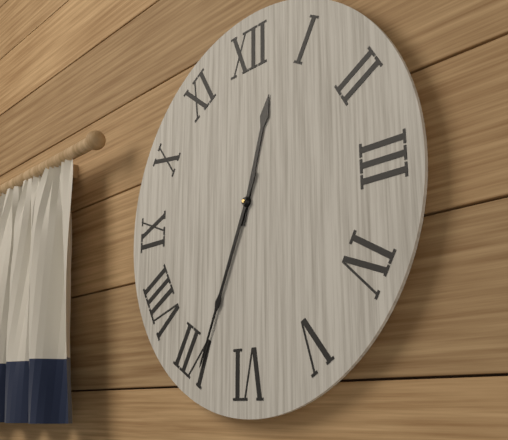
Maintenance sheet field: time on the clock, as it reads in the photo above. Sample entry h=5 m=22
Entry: h=12 m=34
